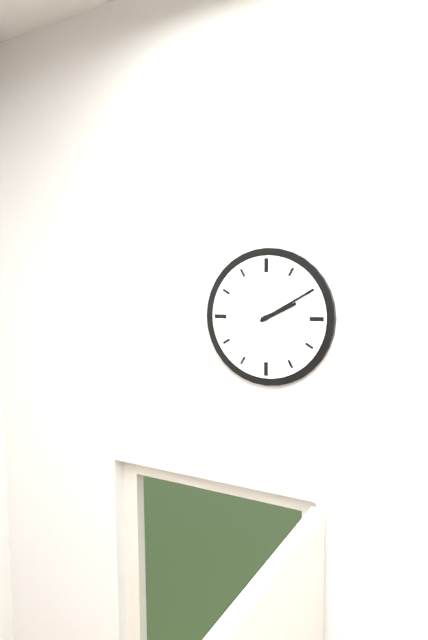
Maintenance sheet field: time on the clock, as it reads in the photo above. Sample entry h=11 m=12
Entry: h=2 m=10
